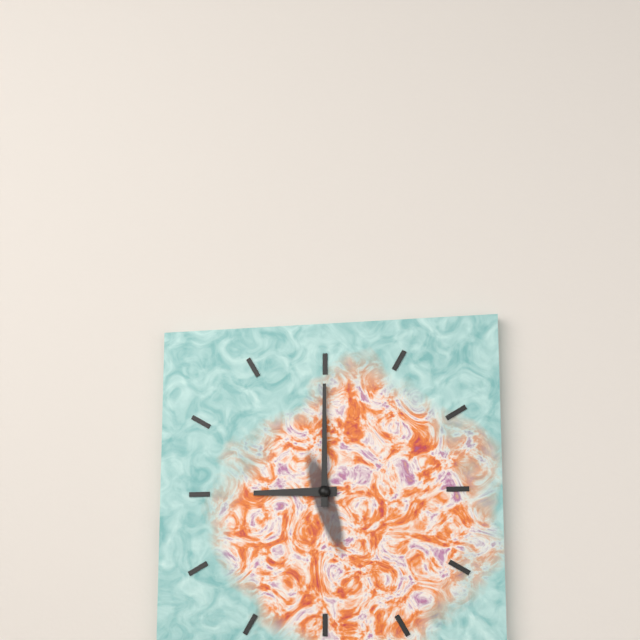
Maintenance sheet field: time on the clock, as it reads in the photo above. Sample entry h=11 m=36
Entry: h=9 m=0
